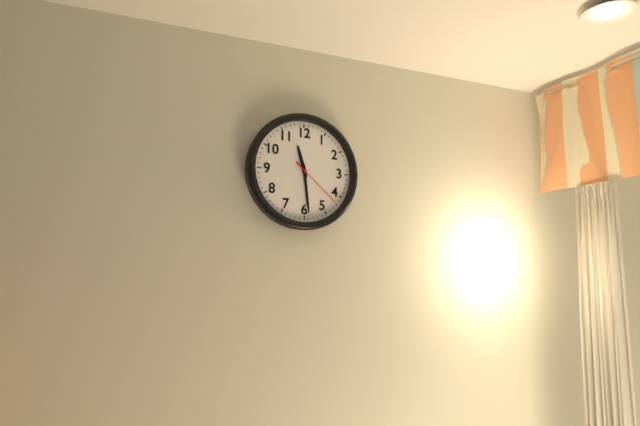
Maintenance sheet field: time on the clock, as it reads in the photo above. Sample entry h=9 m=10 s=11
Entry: h=11 m=29 s=22
